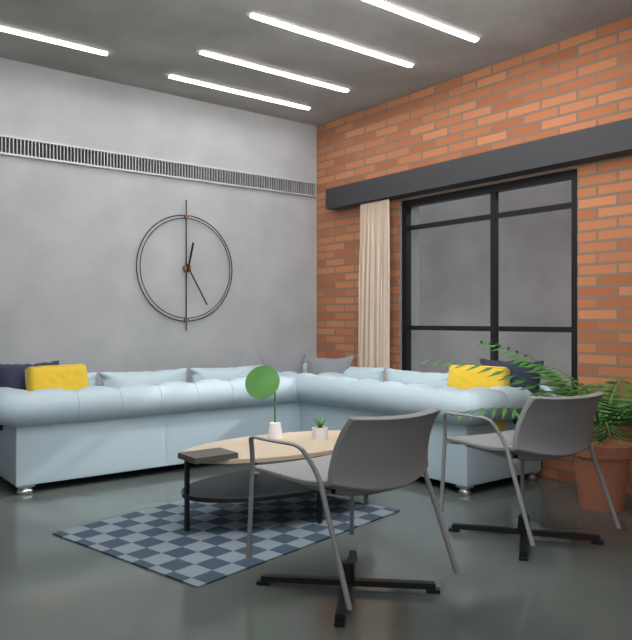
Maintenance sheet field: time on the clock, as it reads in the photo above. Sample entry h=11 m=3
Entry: h=12 m=25
